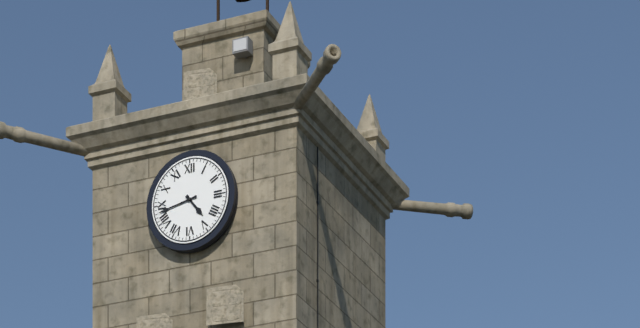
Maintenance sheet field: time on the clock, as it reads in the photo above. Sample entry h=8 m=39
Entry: h=4 m=43
